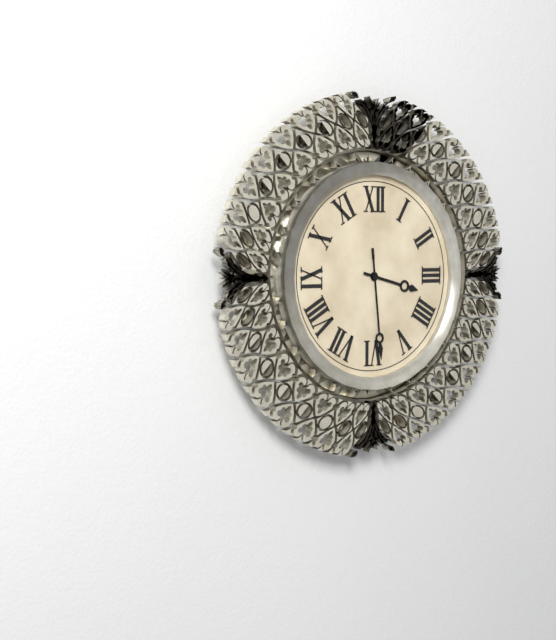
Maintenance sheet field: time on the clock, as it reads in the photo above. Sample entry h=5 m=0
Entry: h=3 m=29
